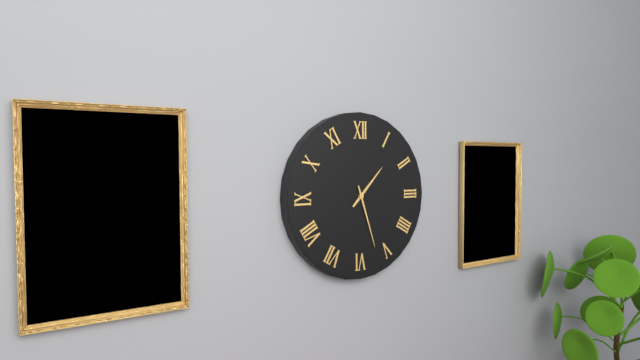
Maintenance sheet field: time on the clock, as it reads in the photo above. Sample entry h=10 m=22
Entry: h=1 m=27
